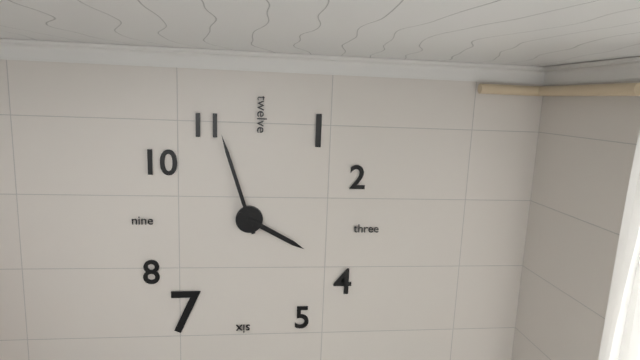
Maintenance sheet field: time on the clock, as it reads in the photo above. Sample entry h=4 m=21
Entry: h=3 m=57
